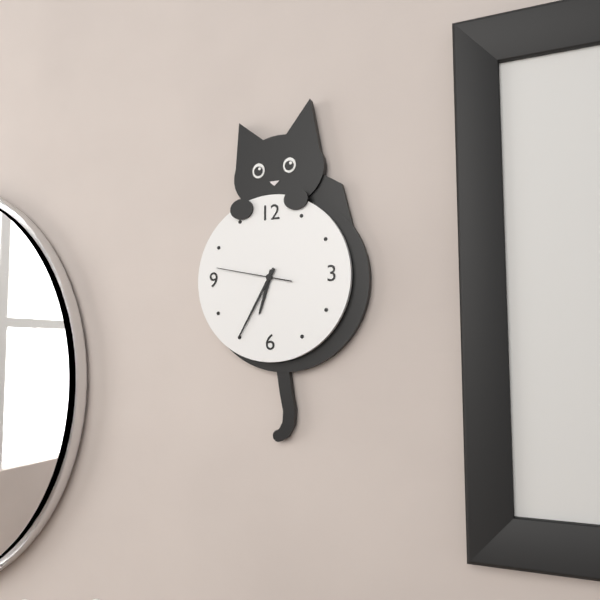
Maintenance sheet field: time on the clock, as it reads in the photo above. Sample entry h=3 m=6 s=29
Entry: h=6 m=35 s=47
